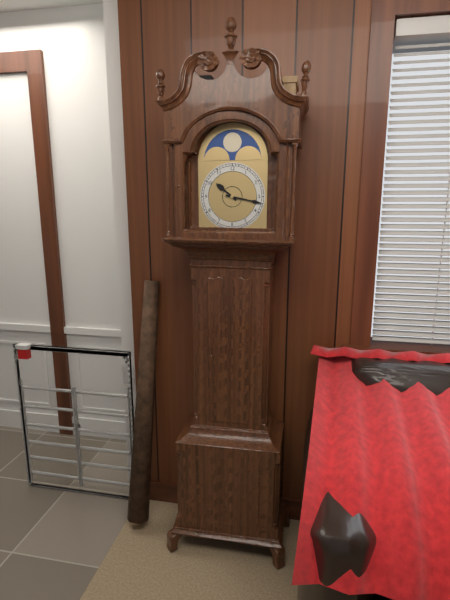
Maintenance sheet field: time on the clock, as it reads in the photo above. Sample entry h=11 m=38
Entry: h=10 m=17
